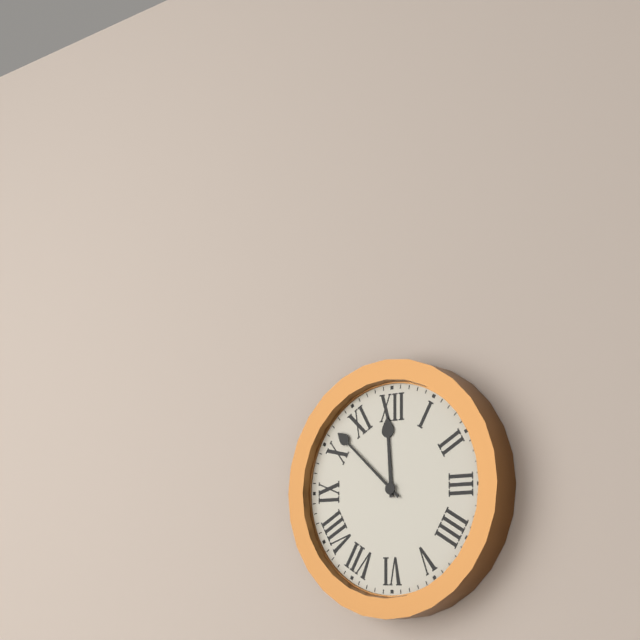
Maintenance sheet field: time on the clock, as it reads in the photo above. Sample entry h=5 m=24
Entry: h=11 m=52
